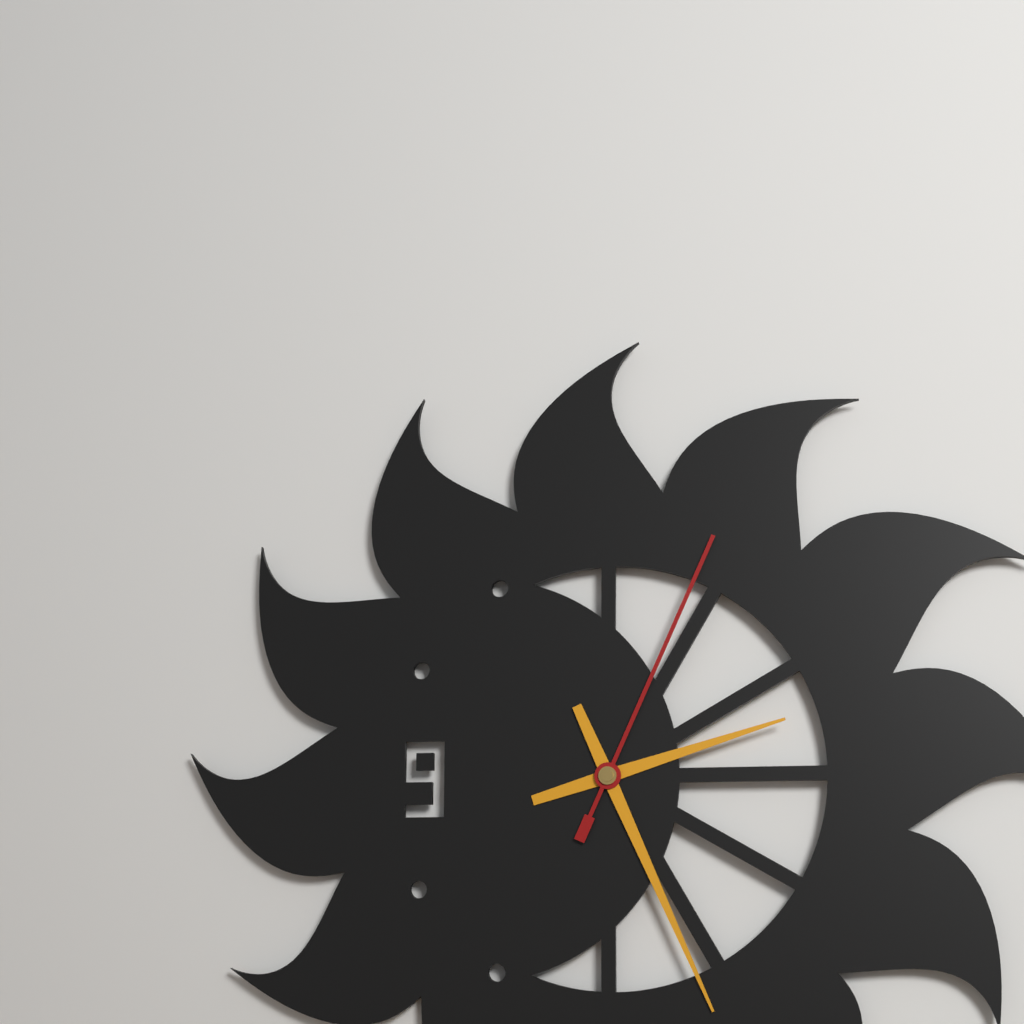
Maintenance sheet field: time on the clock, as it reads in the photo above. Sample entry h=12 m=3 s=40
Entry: h=2 m=26 s=4
